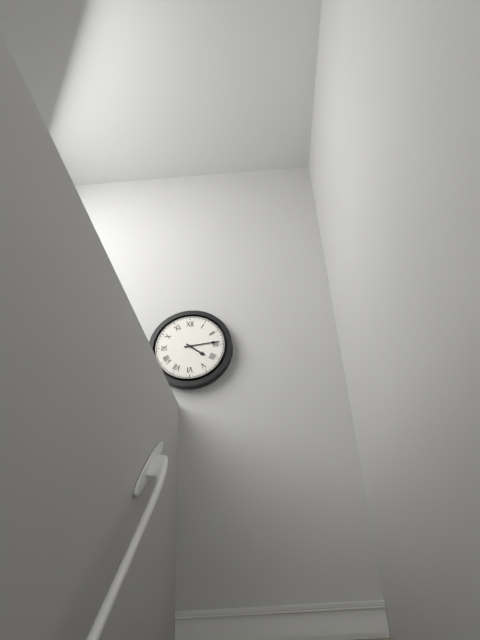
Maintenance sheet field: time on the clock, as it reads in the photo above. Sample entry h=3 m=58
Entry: h=4 m=14
